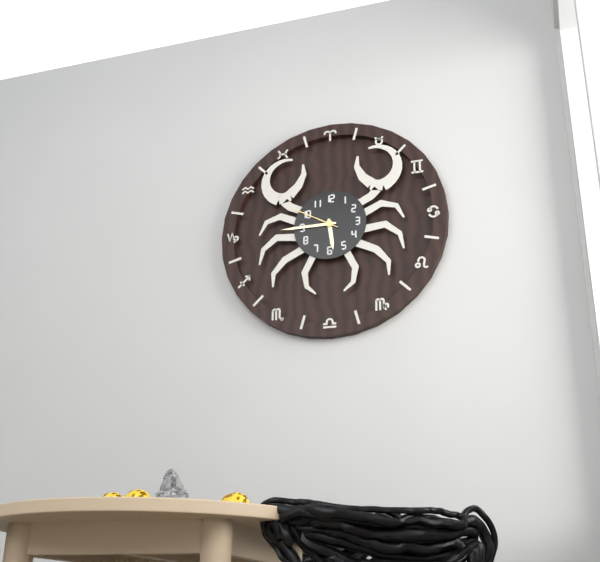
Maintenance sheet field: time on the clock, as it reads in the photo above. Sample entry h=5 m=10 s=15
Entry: h=5 m=45 s=50
